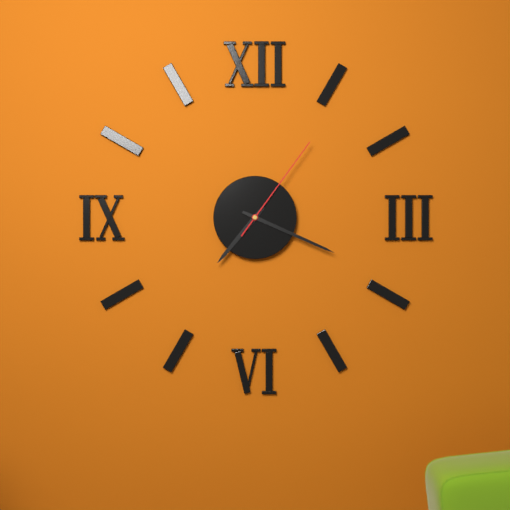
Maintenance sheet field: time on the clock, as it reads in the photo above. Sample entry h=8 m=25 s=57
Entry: h=7 m=19 s=6
